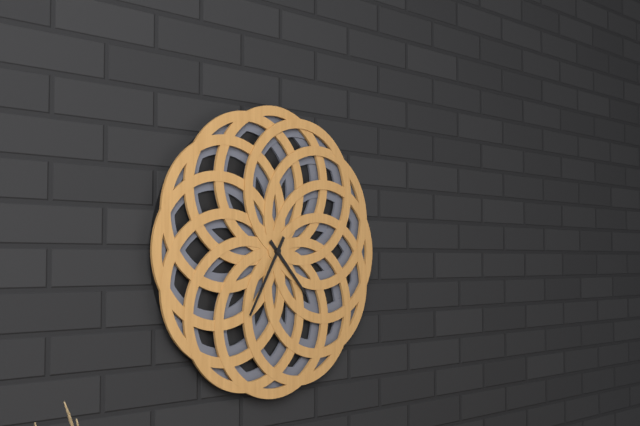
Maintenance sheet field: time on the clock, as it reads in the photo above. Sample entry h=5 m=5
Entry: h=4 m=35
